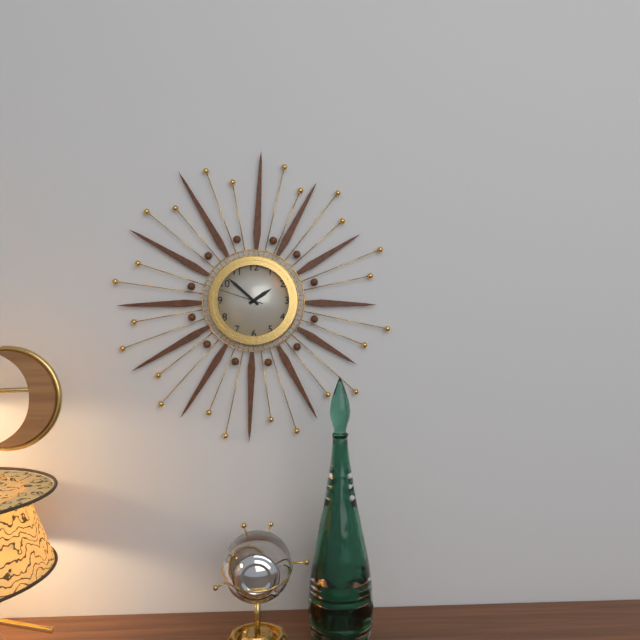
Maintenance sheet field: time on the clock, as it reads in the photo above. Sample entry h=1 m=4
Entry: h=1 m=52
